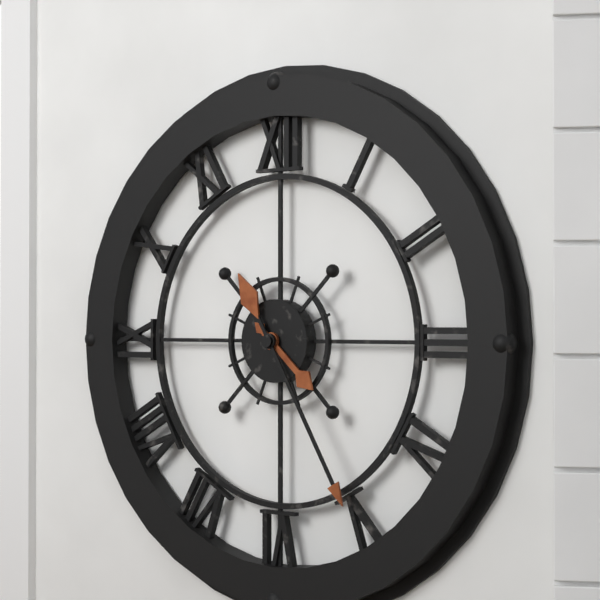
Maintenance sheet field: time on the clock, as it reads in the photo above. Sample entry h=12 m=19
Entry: h=4 m=25
